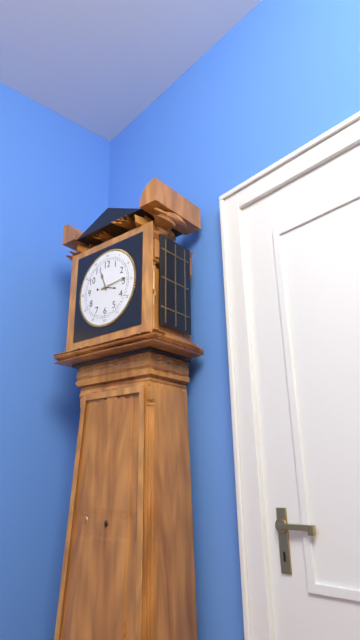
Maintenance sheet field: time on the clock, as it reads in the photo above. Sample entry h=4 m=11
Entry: h=11 m=14
